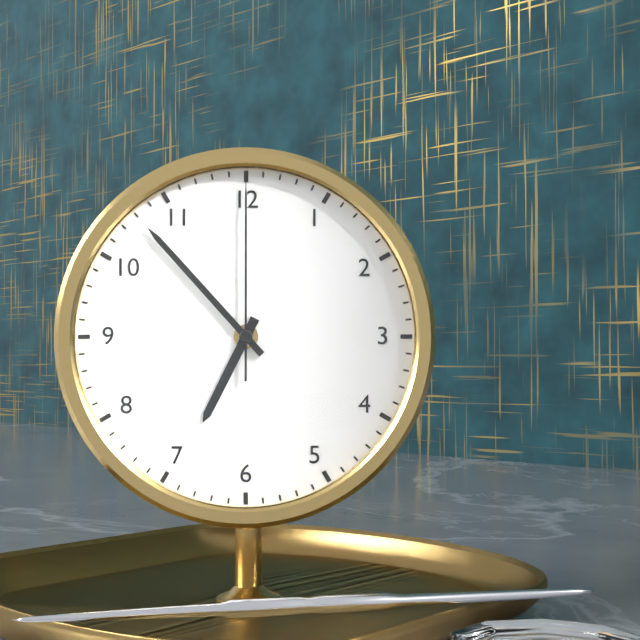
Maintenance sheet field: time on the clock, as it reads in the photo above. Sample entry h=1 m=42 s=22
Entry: h=6 m=53 s=0
